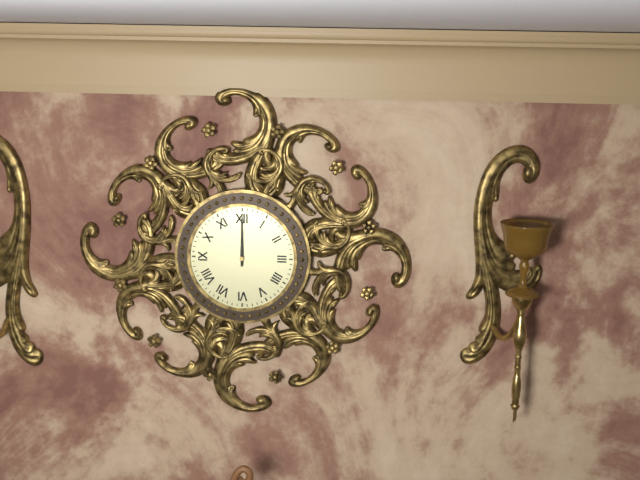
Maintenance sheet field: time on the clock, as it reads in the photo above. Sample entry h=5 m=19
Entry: h=12 m=0
